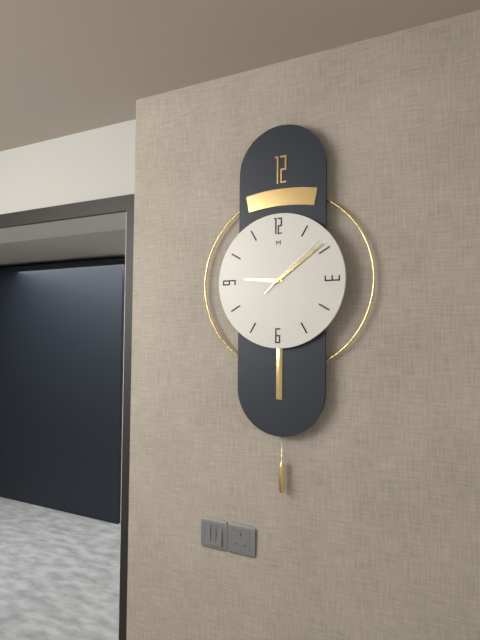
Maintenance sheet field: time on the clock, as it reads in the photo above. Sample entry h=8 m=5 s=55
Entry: h=9 m=9 s=8
